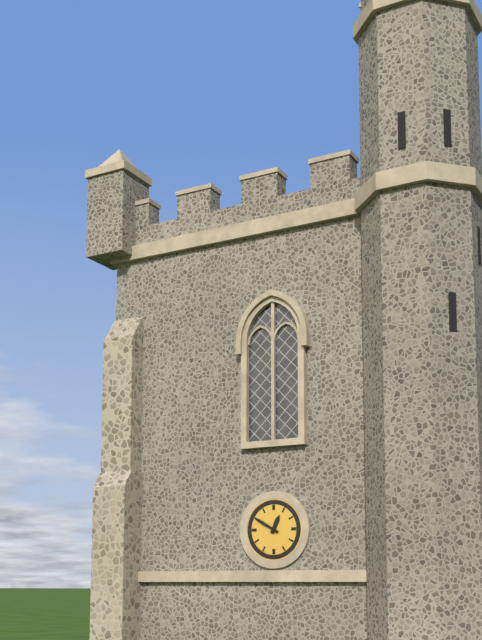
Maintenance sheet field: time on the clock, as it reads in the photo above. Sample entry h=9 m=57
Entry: h=12 m=50
